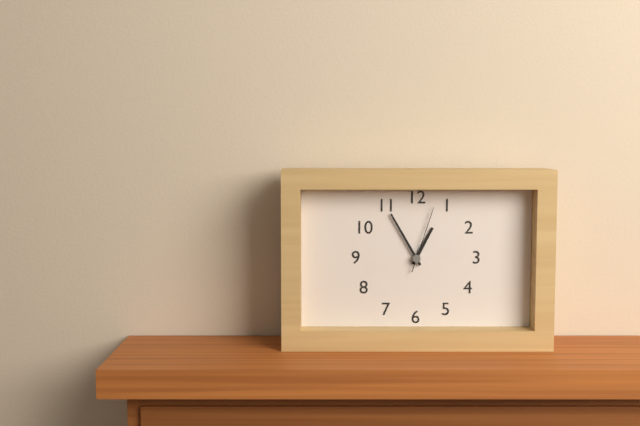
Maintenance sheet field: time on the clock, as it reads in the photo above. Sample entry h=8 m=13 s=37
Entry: h=12 m=55 s=3
